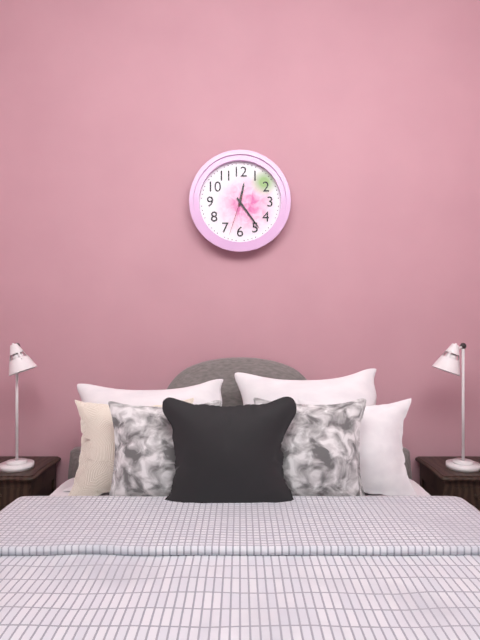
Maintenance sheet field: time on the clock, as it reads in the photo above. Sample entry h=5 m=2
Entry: h=12 m=24
